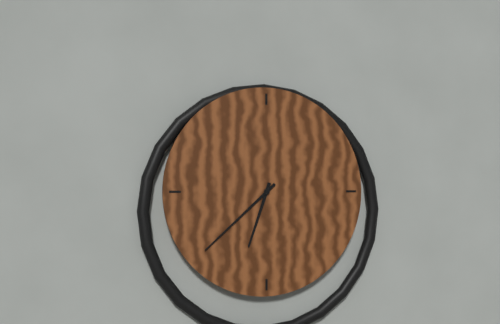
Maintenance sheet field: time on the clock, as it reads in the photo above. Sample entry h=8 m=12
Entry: h=6 m=38
